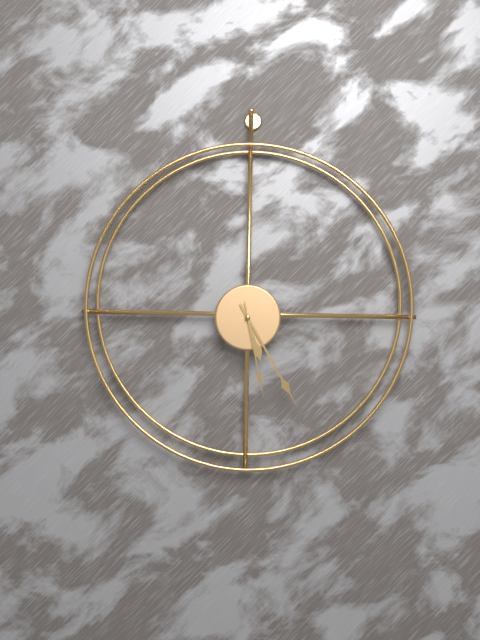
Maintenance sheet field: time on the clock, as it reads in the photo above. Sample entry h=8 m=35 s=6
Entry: h=5 m=25 s=28
